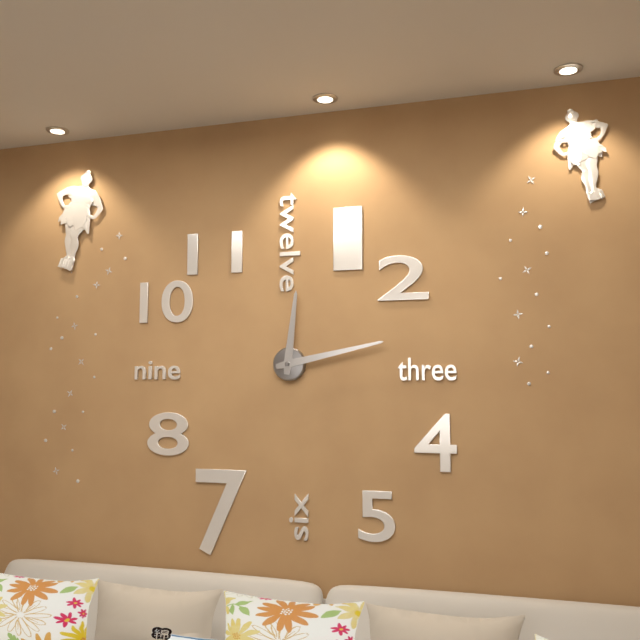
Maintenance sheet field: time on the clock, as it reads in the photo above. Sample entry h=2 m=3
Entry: h=12 m=13
